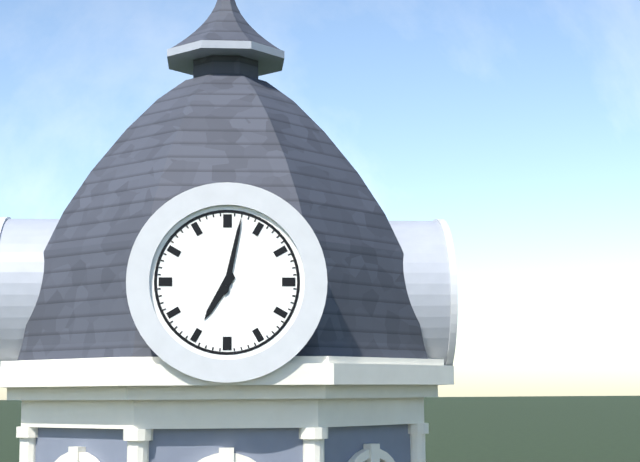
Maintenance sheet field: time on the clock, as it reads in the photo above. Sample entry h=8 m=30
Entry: h=7 m=2
